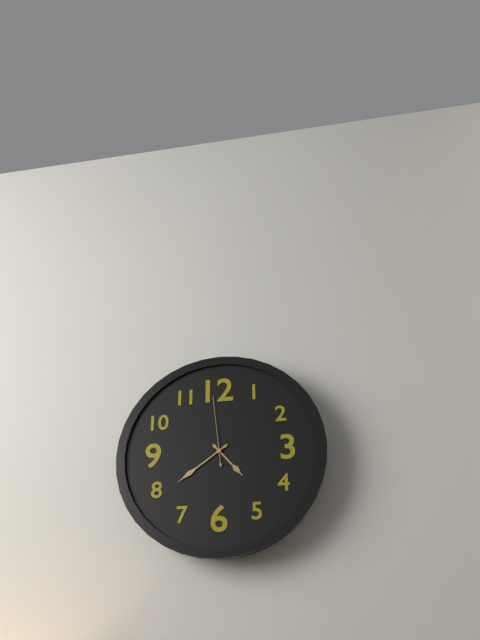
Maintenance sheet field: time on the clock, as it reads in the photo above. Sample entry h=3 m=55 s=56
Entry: h=4 m=39 s=59
